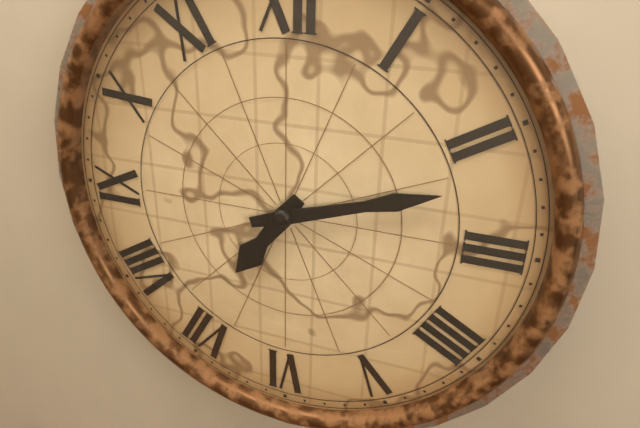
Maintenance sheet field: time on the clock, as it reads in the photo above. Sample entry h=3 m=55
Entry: h=7 m=12
